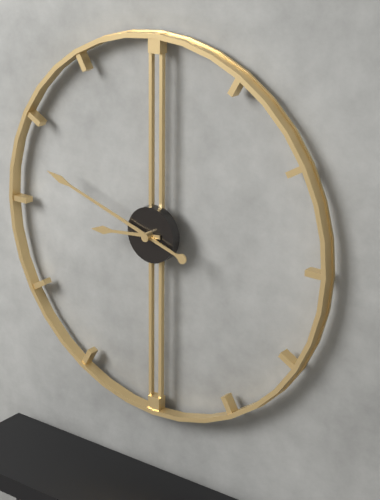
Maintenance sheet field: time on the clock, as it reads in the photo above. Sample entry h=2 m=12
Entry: h=8 m=48
